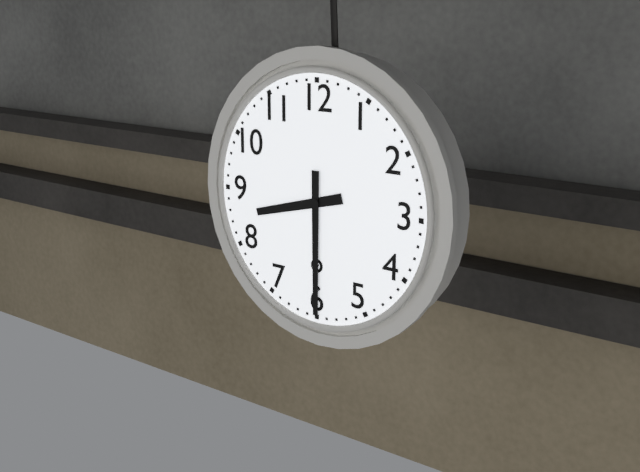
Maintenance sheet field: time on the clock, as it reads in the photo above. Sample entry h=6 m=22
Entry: h=8 m=30
